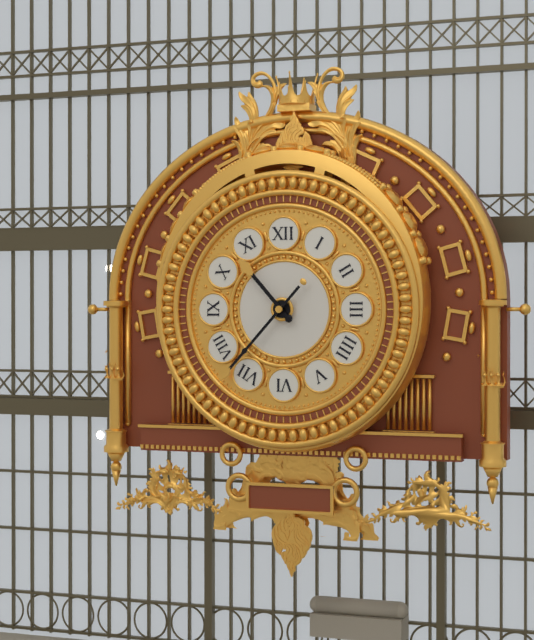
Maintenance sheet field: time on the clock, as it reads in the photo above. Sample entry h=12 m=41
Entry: h=10 m=37
